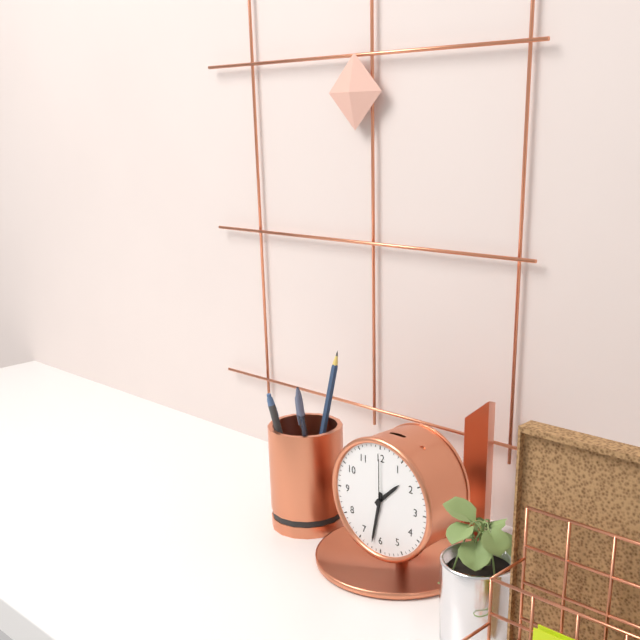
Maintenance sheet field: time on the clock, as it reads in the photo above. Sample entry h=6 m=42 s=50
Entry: h=1 m=32 s=0
